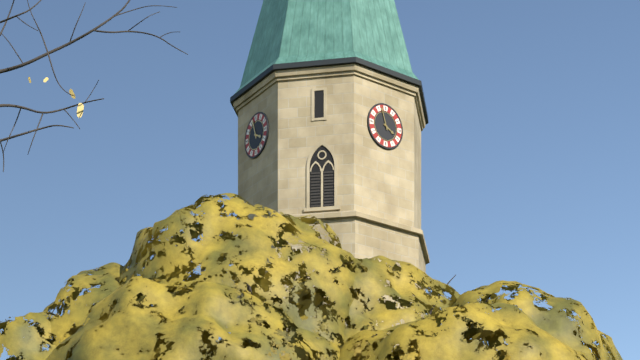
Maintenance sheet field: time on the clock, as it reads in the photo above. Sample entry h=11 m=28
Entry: h=3 m=57
